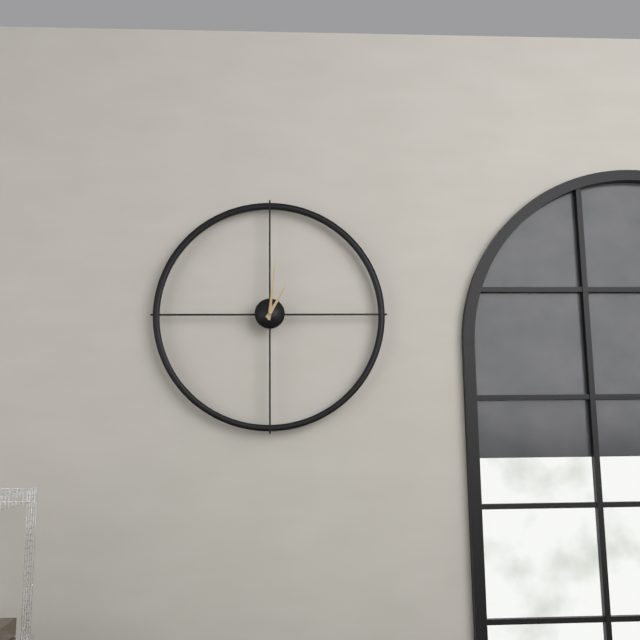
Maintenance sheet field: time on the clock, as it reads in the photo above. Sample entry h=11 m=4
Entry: h=1 m=1
